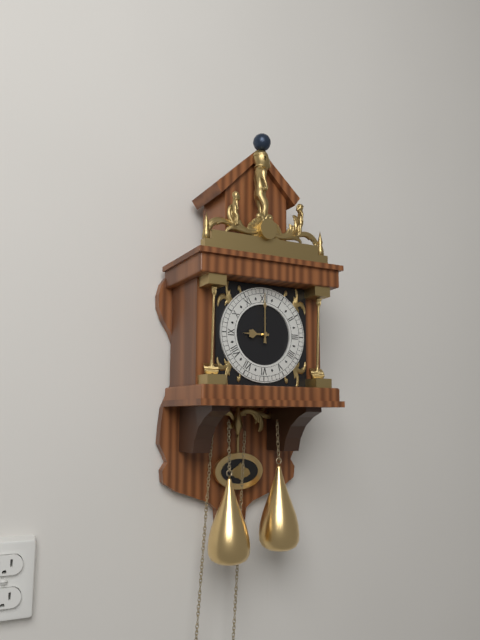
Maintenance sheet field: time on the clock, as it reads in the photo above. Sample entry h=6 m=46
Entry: h=9 m=0
